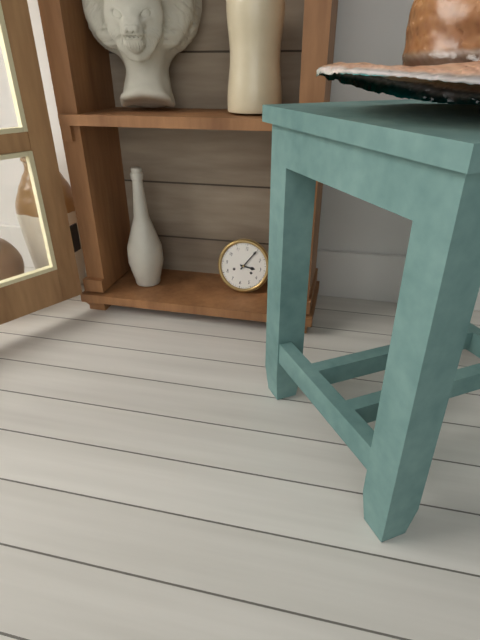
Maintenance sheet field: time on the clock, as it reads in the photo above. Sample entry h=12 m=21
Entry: h=3 m=5
